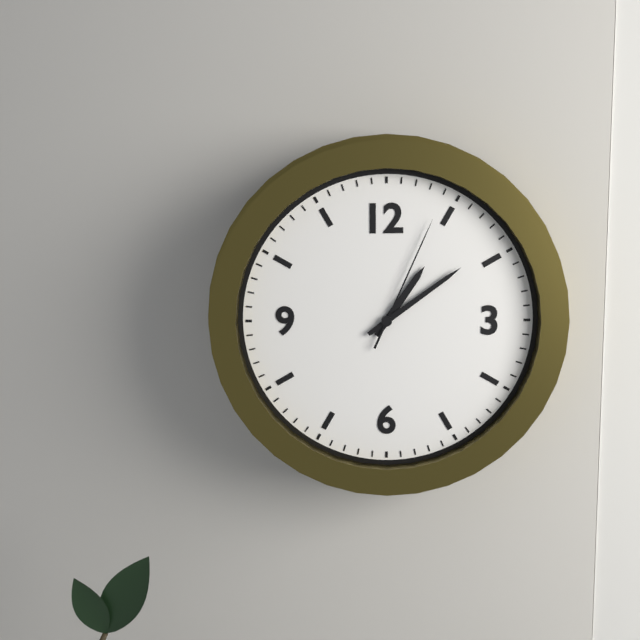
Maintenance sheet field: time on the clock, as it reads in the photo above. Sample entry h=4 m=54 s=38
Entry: h=1 m=9 s=4
